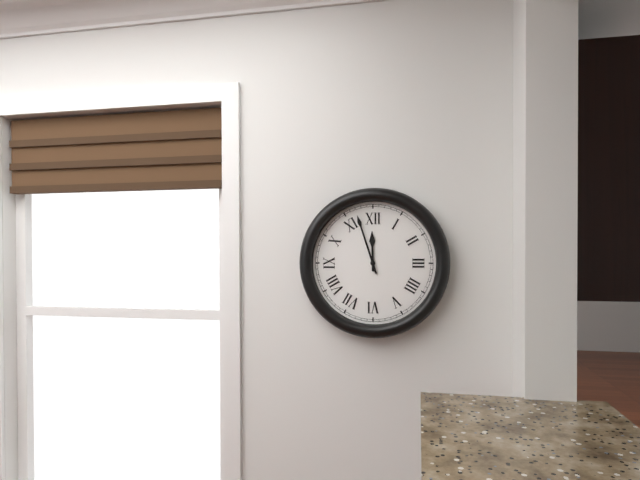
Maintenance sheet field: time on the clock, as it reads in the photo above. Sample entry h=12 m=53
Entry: h=11 m=57
